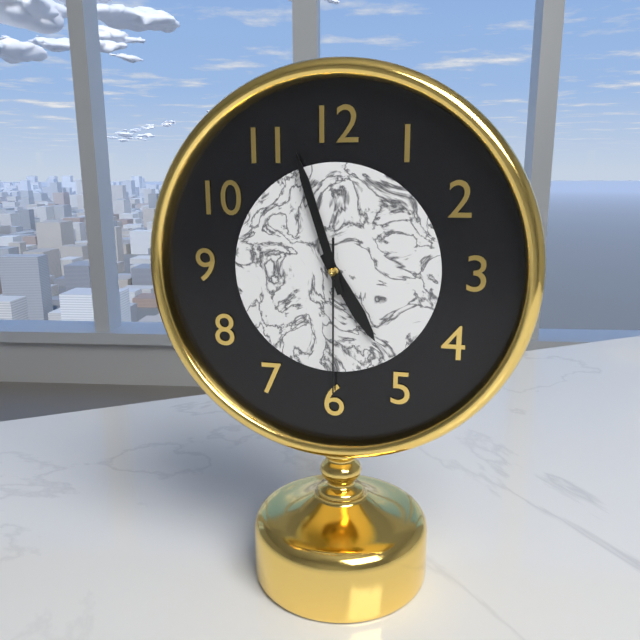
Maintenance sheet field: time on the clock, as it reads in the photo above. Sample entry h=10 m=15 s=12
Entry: h=4 m=57 s=30
